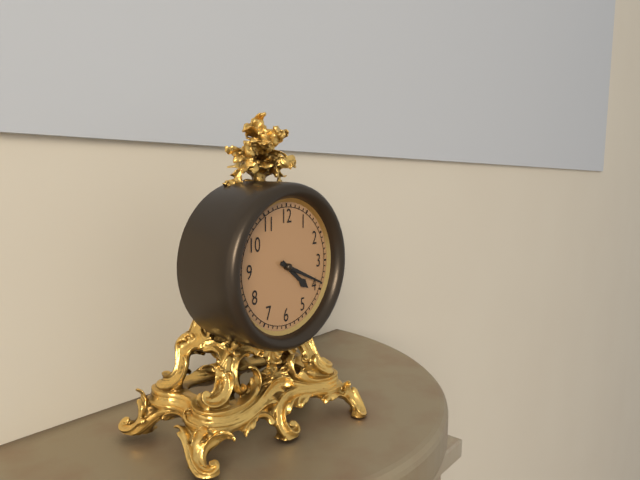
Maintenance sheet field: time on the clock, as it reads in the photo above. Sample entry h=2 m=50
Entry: h=4 m=19
